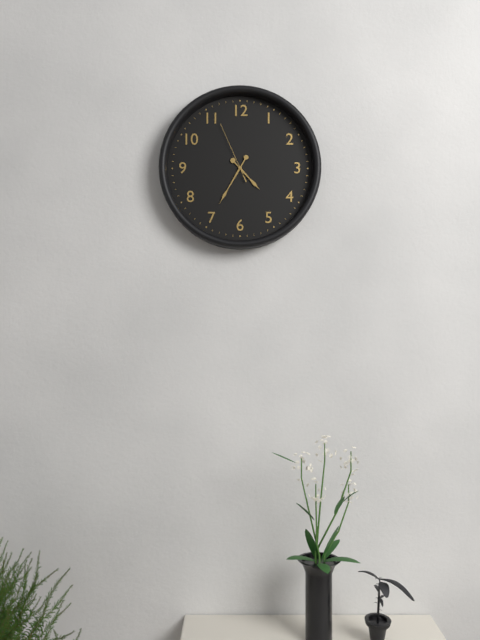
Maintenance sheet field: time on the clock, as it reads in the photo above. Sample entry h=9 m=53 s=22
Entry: h=4 m=35 s=56
